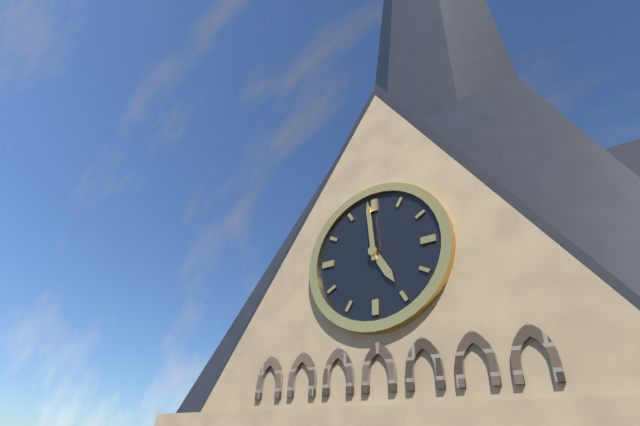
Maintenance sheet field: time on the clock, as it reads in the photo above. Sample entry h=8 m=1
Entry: h=4 m=59
